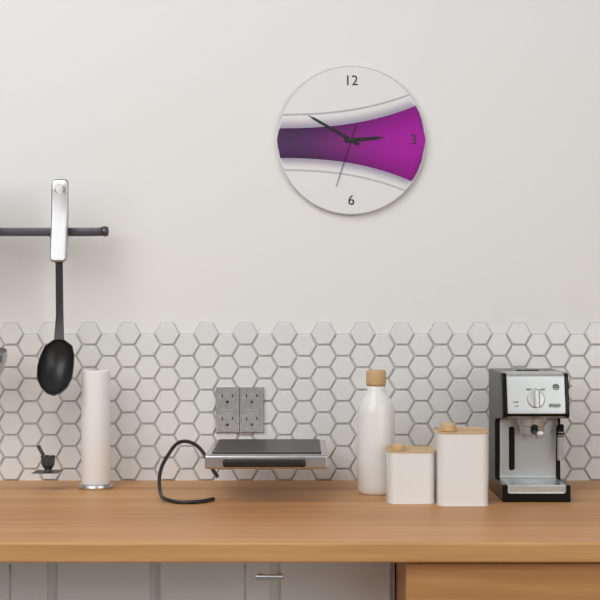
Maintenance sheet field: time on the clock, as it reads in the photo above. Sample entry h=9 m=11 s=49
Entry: h=2 m=50 s=33
